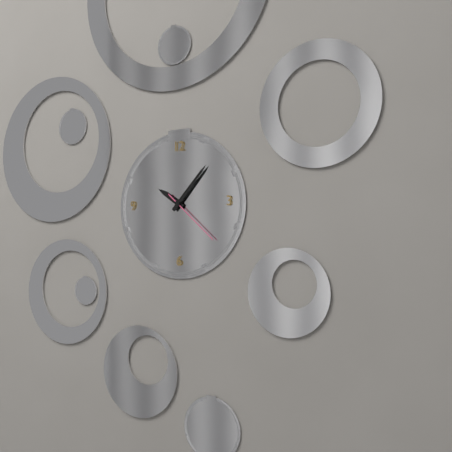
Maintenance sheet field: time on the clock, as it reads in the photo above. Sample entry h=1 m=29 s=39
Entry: h=10 m=7 s=22
